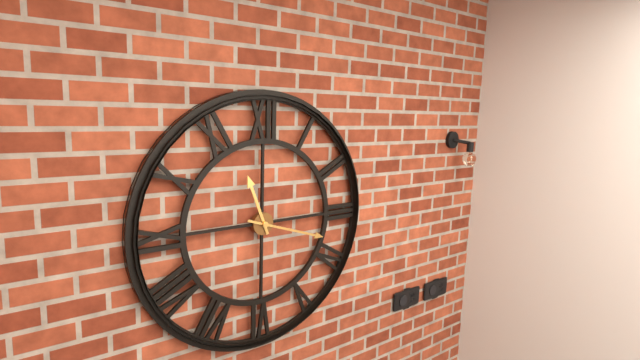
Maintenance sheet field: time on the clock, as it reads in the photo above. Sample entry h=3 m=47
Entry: h=11 m=18
